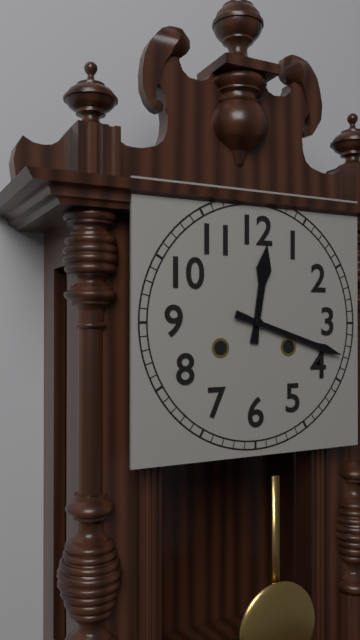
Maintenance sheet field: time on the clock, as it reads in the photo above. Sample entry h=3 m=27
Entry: h=12 m=18
